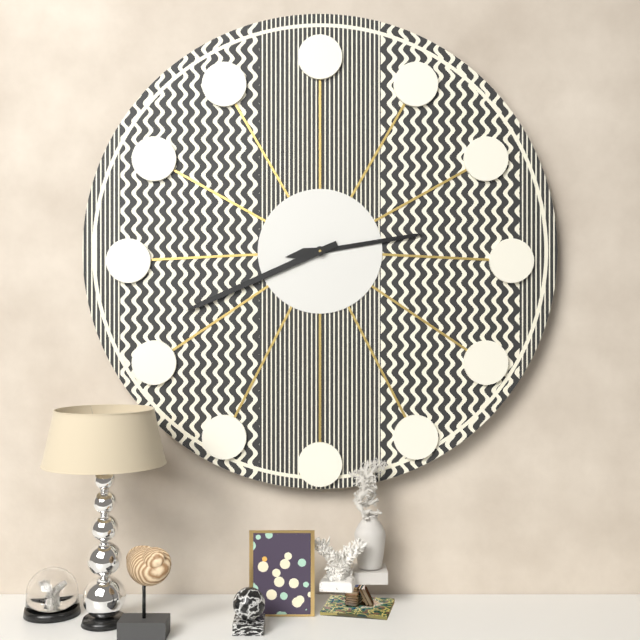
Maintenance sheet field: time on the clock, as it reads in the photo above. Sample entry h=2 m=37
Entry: h=2 m=41
